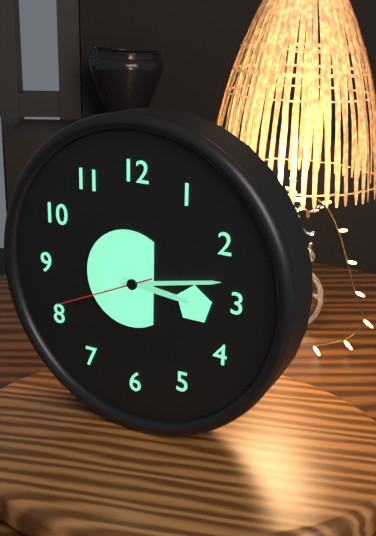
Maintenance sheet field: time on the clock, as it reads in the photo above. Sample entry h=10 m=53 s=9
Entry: h=3 m=13 s=41
